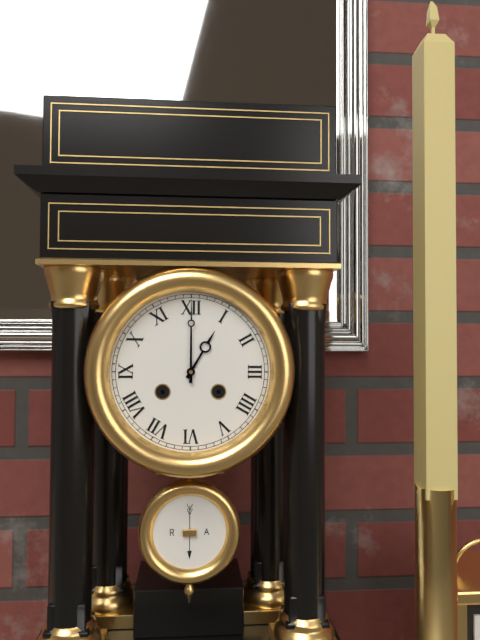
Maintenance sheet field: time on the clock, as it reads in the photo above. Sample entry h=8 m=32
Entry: h=1 m=0
